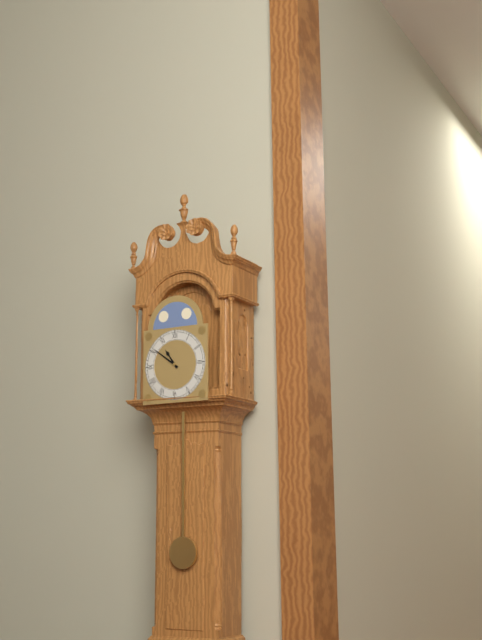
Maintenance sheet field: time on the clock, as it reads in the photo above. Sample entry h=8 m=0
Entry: h=10 m=51
